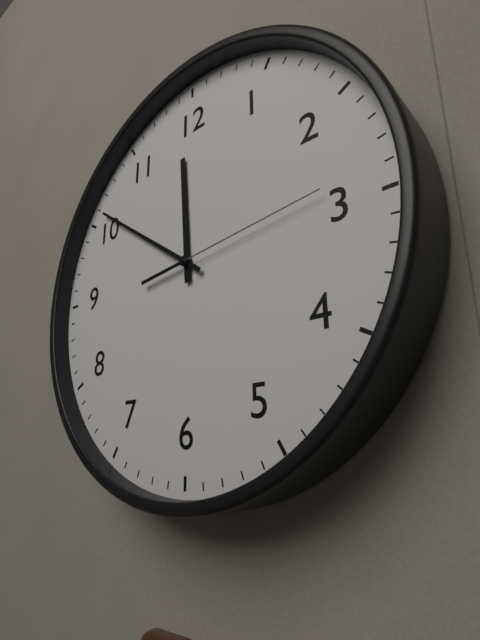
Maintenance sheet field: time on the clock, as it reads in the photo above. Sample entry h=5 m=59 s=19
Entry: h=11 m=51 s=14
